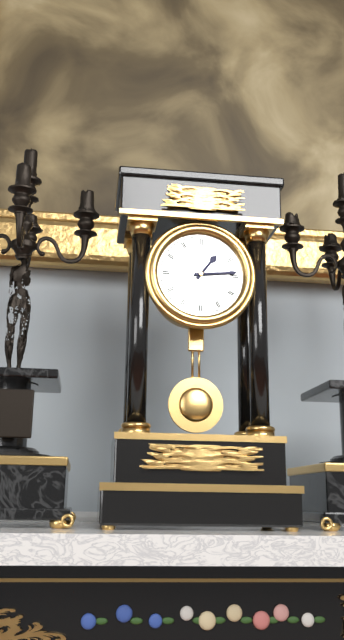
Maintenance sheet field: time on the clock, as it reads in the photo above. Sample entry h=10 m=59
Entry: h=1 m=14
